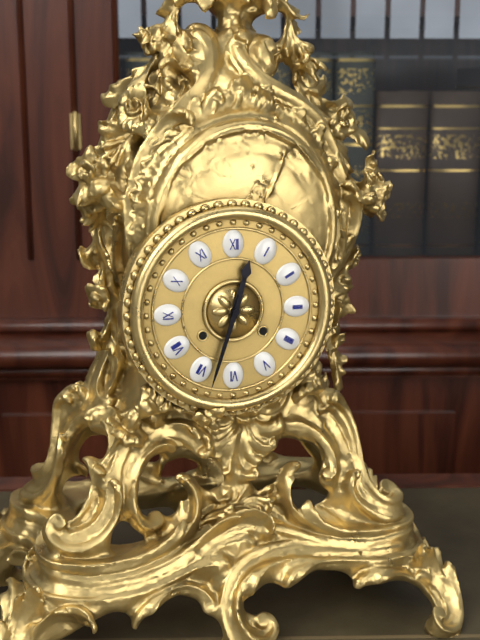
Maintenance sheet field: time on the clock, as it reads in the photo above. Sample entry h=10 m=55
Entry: h=12 m=33
